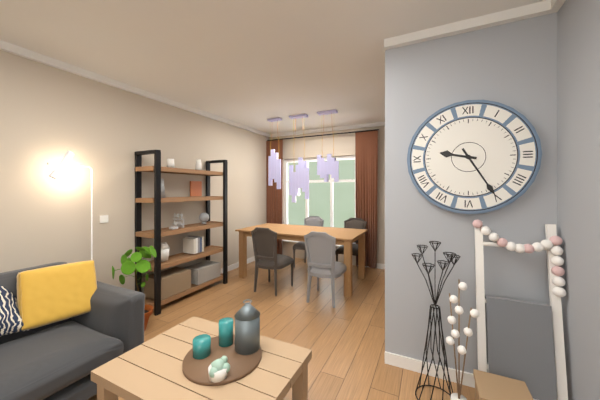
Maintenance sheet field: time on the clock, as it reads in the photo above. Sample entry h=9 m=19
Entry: h=9 m=25
